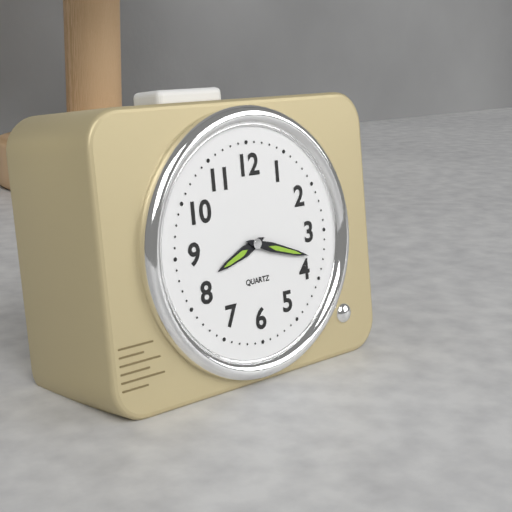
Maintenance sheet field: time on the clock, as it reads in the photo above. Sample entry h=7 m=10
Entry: h=8 m=18
